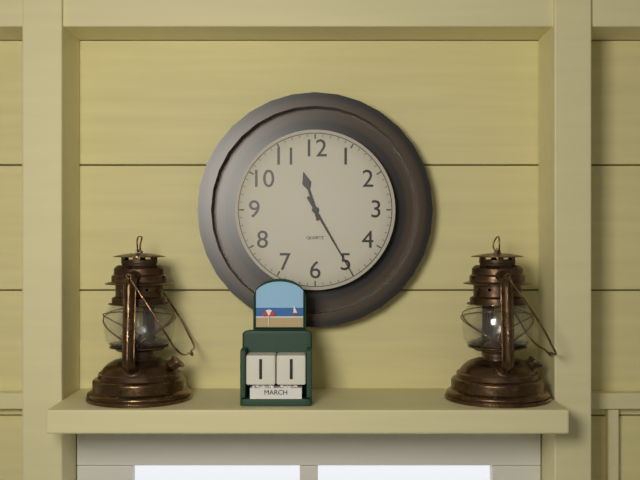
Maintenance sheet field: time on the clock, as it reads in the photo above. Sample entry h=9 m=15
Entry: h=11 m=25
